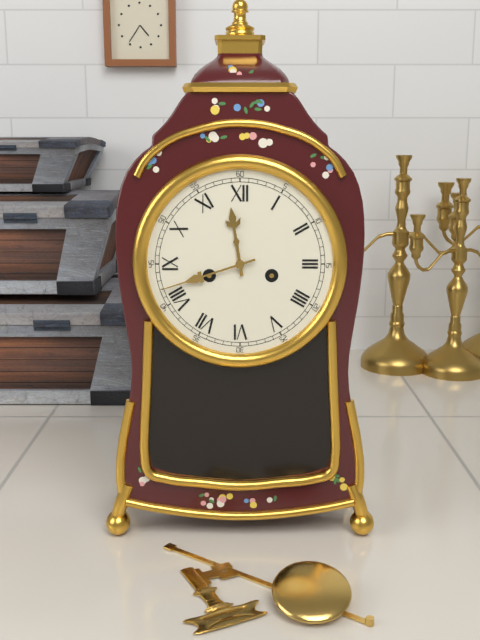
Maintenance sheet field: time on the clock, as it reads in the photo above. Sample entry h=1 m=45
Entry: h=11 m=42
